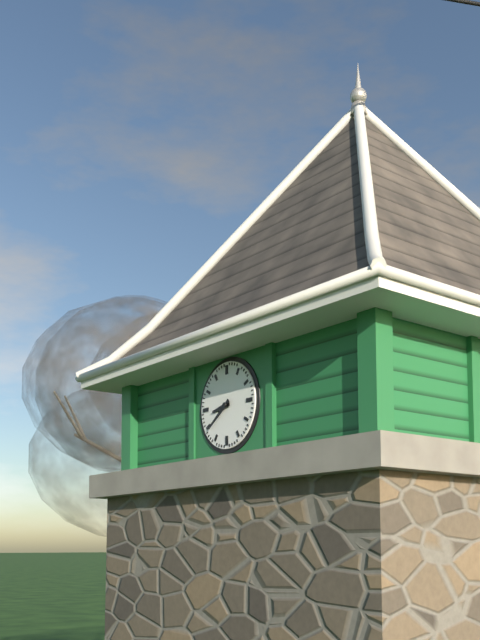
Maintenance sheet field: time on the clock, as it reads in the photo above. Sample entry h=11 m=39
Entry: h=8 m=39
